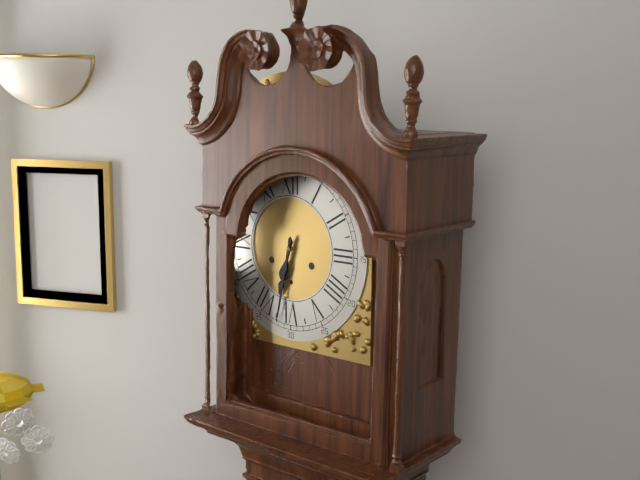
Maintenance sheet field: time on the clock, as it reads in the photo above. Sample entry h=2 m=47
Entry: h=6 m=32
